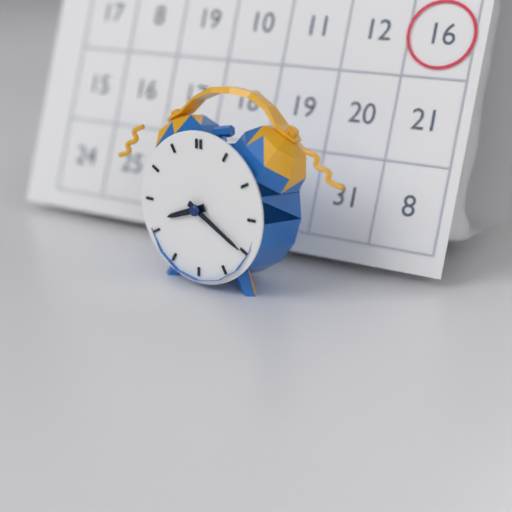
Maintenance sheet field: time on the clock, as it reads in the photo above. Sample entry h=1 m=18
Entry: h=8 m=20
